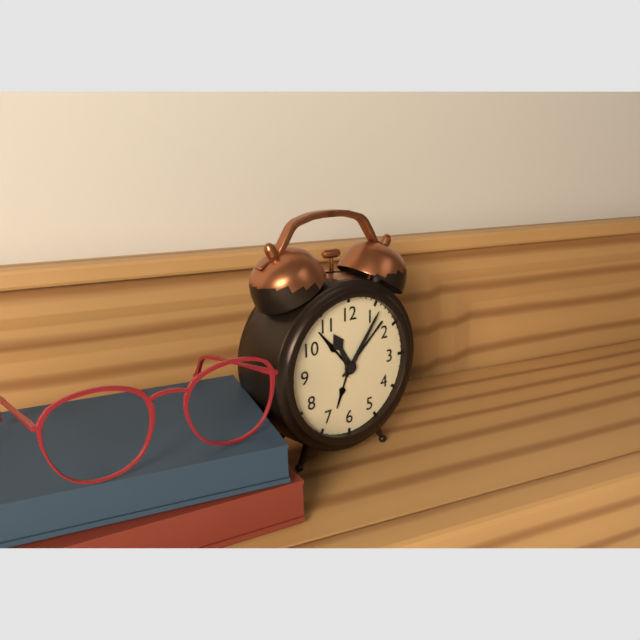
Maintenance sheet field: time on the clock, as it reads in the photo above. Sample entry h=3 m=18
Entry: h=11 m=6
